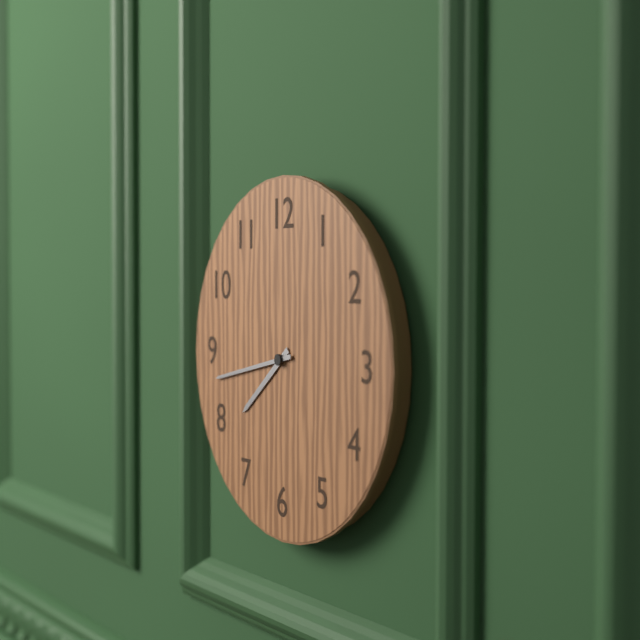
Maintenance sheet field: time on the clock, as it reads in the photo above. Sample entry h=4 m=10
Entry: h=7 m=43
